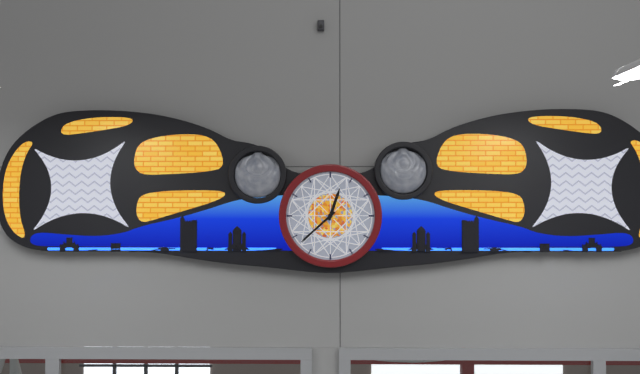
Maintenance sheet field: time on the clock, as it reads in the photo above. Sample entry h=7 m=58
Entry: h=12 m=38
